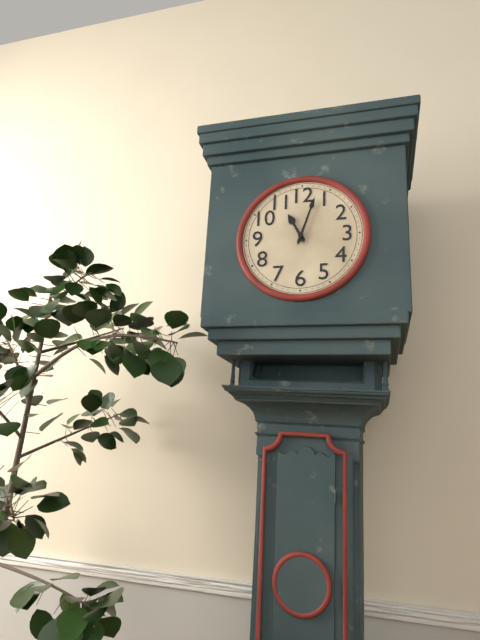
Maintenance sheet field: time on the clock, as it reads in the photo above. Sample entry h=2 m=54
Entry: h=11 m=3
